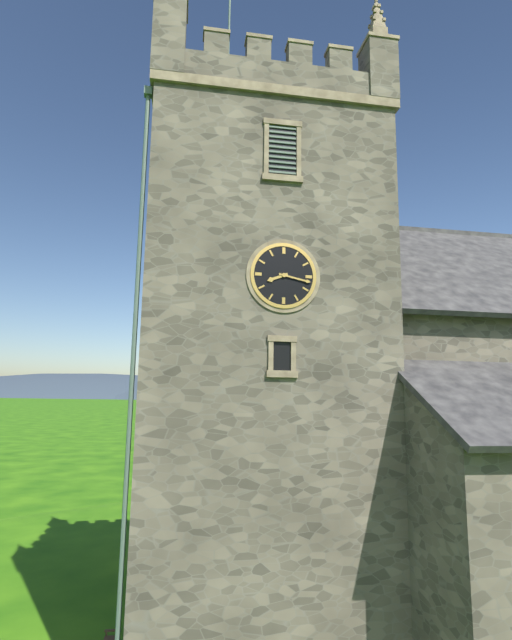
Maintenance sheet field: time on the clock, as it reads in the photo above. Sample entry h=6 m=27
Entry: h=8 m=17
